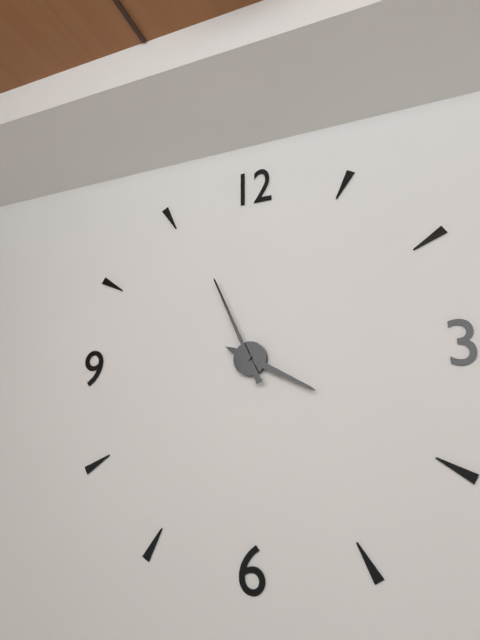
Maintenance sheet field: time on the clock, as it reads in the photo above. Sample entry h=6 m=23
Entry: h=3 m=56
